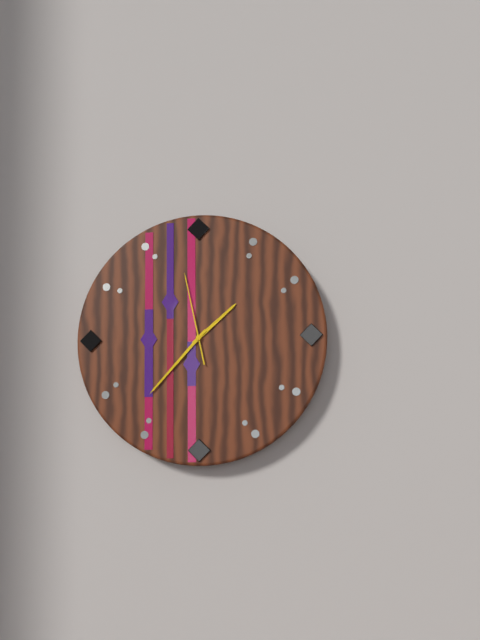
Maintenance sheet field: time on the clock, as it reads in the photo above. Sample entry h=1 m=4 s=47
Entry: h=1 m=37 s=58
